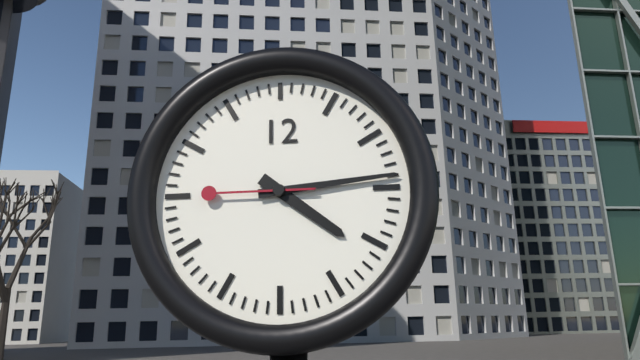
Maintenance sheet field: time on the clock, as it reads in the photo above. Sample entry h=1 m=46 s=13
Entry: h=4 m=14 s=45
